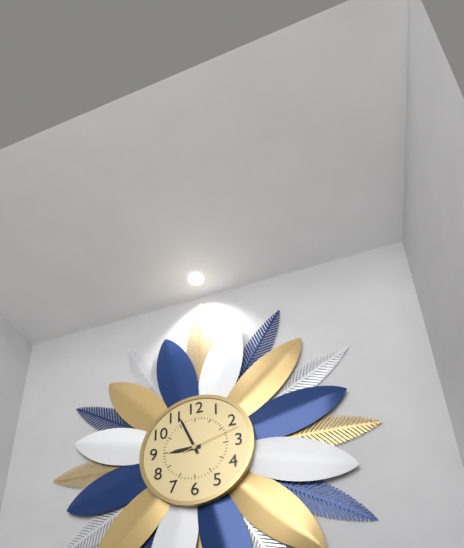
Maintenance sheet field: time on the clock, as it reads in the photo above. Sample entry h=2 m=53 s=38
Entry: h=8 m=56 s=12
